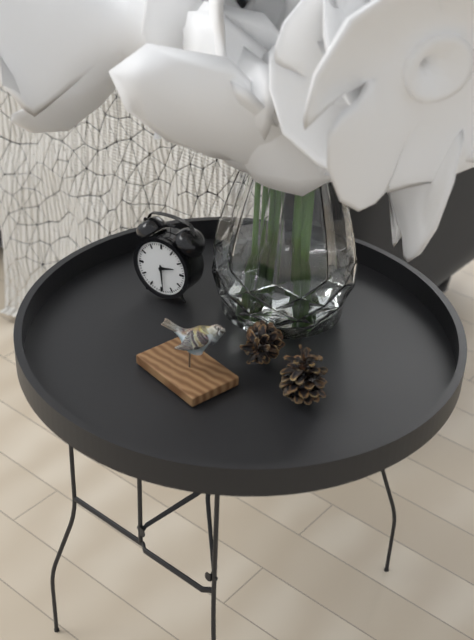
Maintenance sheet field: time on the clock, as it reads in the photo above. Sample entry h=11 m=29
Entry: h=2 m=29
